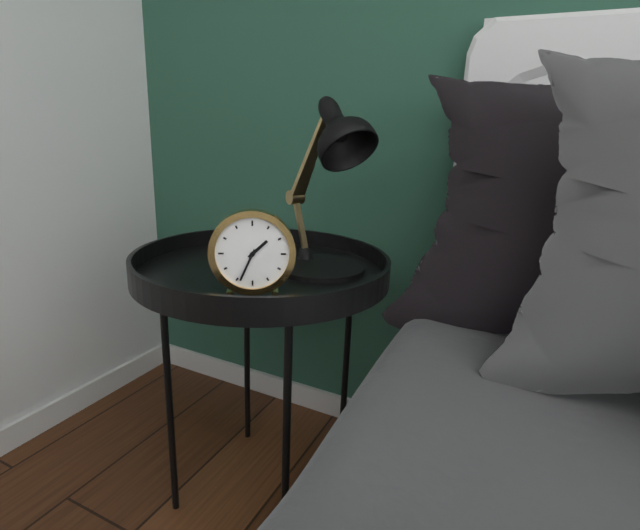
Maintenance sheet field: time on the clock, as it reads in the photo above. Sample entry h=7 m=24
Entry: h=1 m=34
